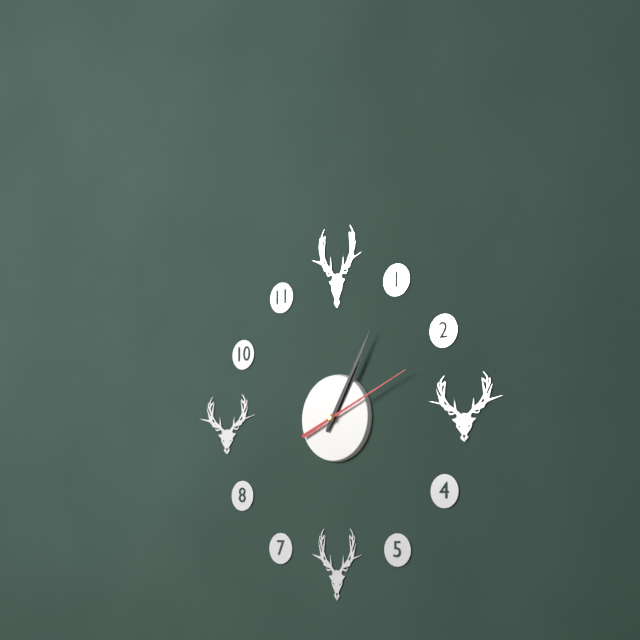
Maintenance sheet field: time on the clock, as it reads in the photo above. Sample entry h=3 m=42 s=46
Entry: h=1 m=5 s=11
